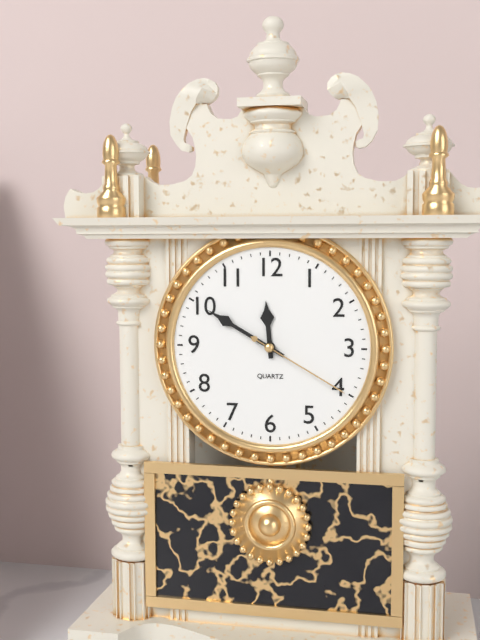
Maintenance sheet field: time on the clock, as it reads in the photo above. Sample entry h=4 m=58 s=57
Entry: h=11 m=50 s=20
